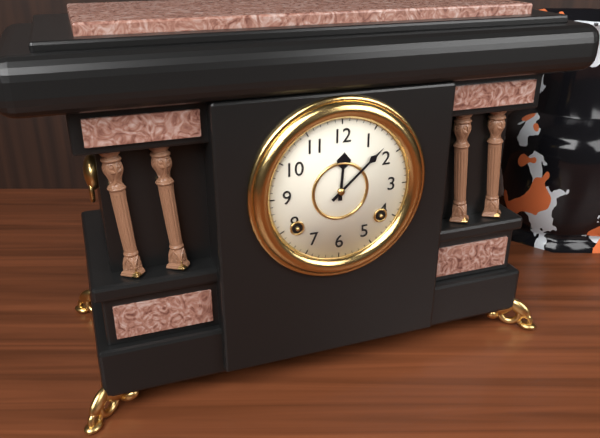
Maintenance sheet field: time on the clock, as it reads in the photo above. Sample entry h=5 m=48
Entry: h=12 m=8
